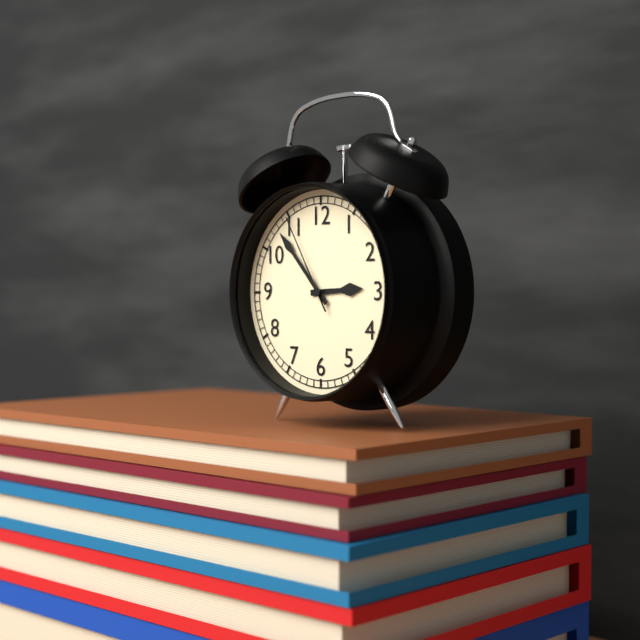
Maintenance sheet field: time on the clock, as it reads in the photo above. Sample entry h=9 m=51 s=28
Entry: h=2 m=53 s=55
